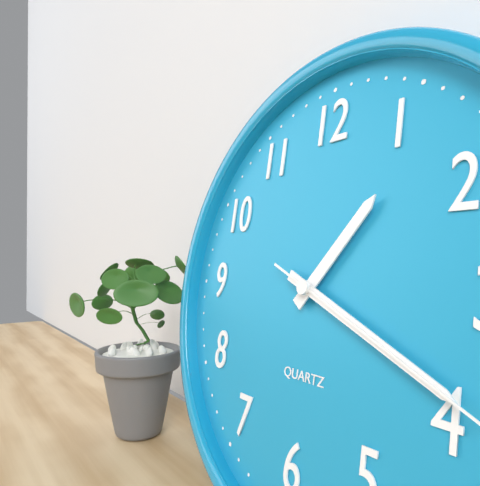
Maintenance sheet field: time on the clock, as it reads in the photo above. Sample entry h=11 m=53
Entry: h=1 m=19
